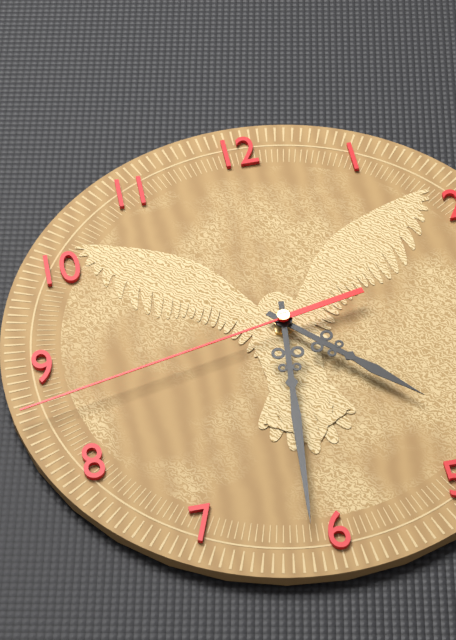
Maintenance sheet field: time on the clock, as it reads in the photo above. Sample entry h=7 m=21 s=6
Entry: h=4 m=31 s=43
